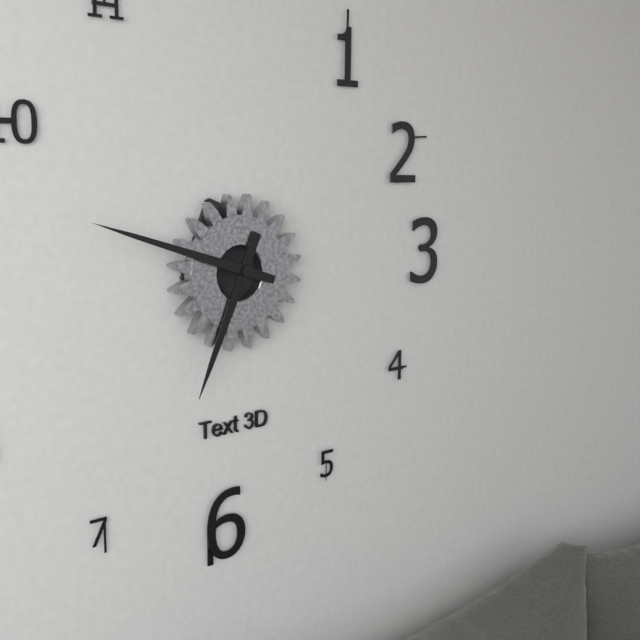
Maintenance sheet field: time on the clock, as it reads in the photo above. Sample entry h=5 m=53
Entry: h=6 m=48
